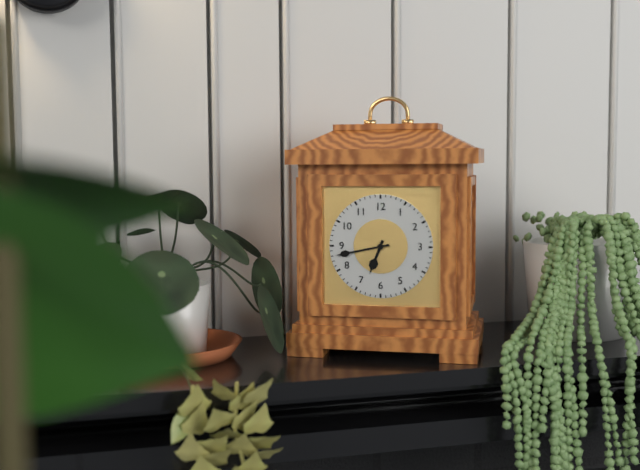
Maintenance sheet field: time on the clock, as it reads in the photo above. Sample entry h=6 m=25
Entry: h=6 m=43
